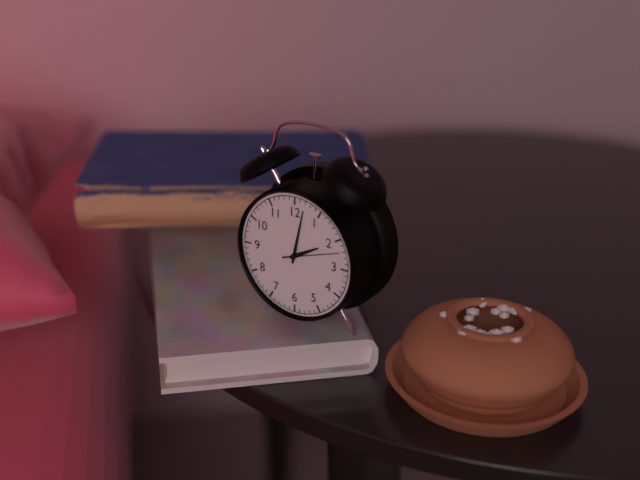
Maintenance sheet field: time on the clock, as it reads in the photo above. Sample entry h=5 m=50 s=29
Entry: h=2 m=2 s=12
